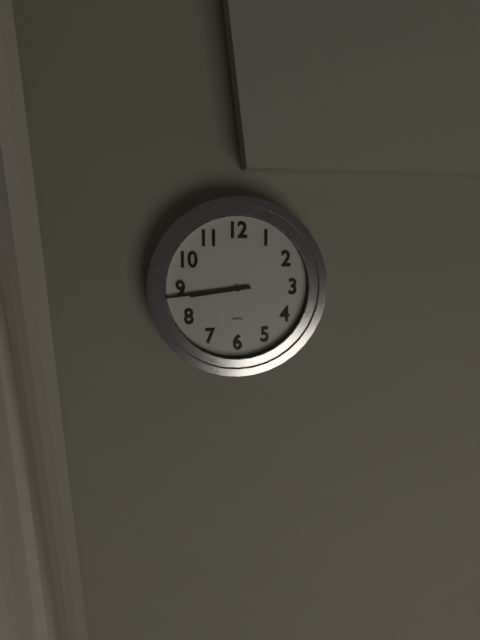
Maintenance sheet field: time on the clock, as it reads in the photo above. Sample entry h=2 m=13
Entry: h=8 m=44
